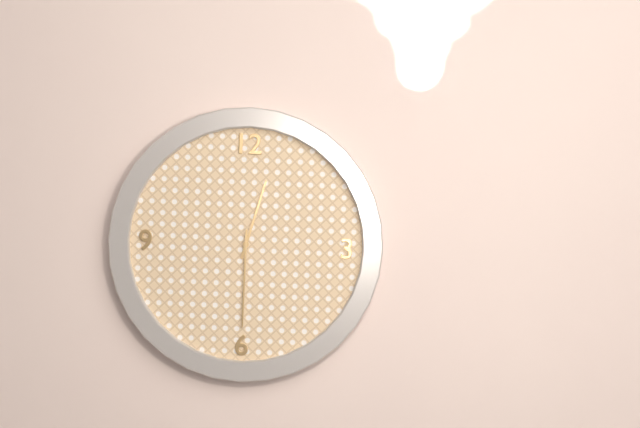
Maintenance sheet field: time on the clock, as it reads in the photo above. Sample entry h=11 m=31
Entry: h=12 m=30
